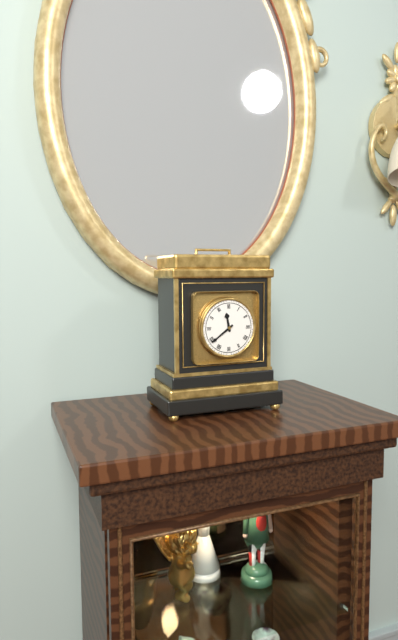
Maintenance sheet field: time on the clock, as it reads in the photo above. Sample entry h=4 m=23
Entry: h=11 m=39
